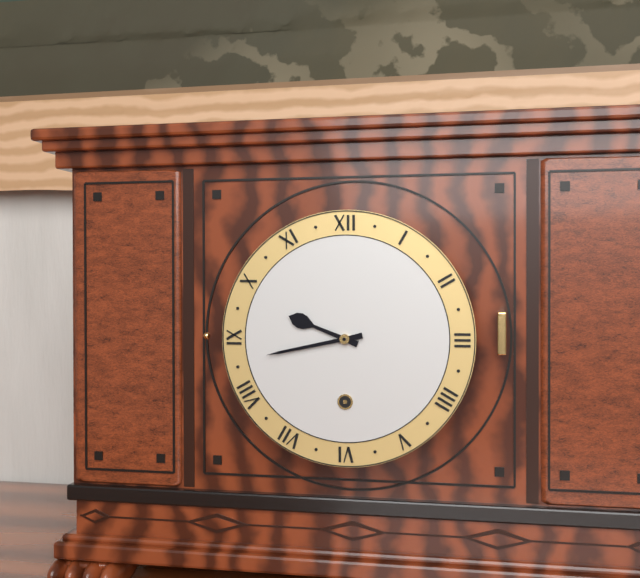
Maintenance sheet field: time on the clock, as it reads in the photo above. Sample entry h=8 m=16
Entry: h=9 m=43
